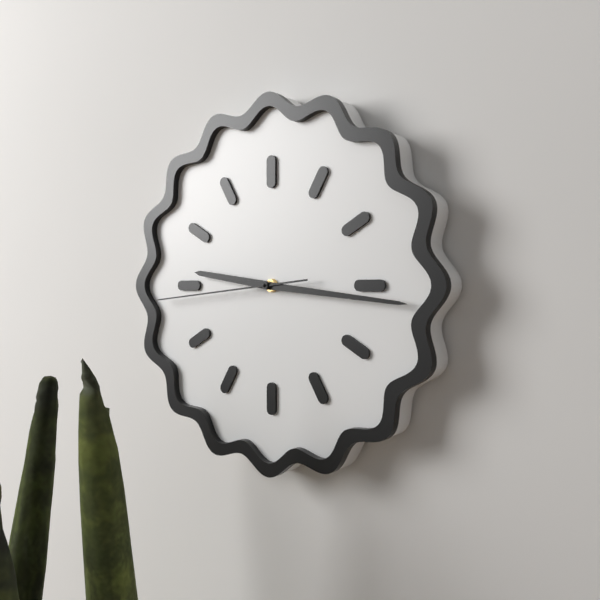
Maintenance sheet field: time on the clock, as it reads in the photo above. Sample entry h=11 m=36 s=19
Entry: h=9 m=16 s=44
